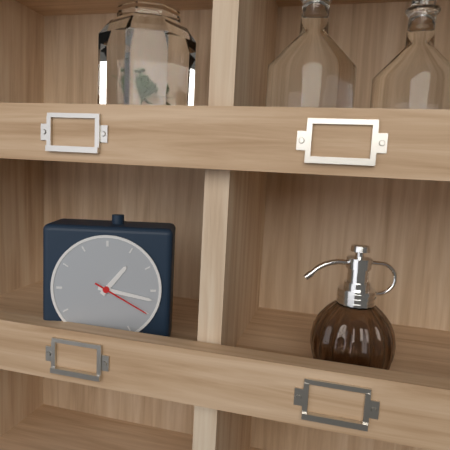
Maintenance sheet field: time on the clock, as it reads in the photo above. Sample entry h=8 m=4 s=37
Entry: h=1 m=17 s=20
